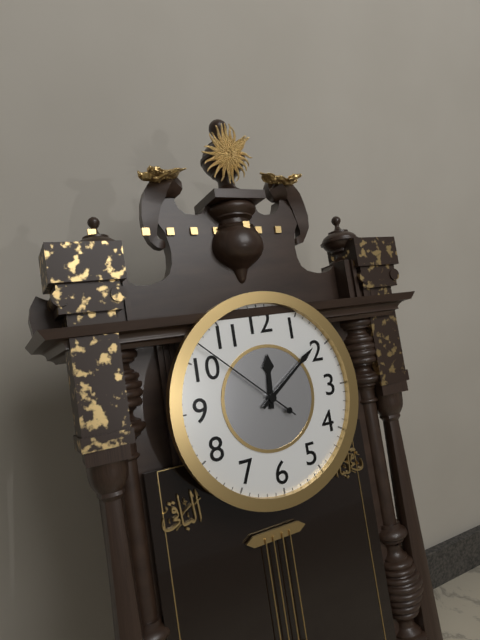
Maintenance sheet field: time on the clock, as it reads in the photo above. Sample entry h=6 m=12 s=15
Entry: h=12 m=9 s=52
